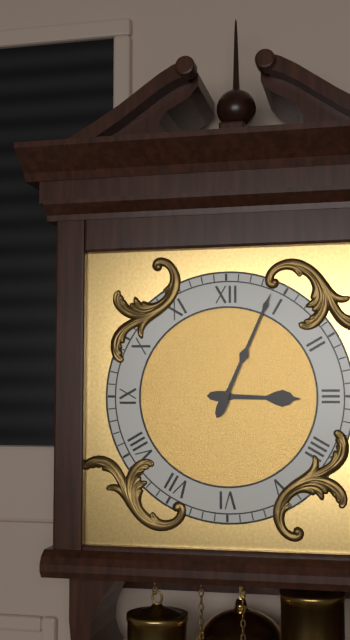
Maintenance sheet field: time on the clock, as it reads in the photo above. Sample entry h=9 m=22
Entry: h=3 m=4
